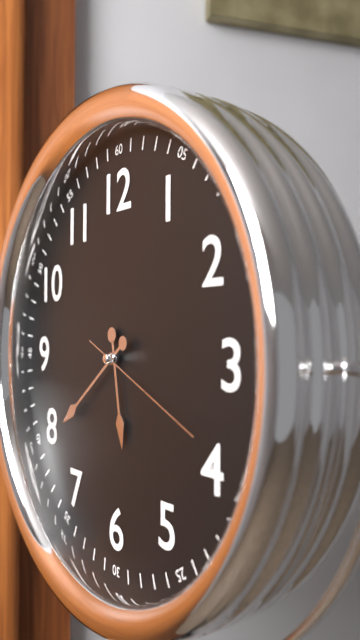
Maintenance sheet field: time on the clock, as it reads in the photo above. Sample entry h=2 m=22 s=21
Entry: h=5 m=39 s=19
